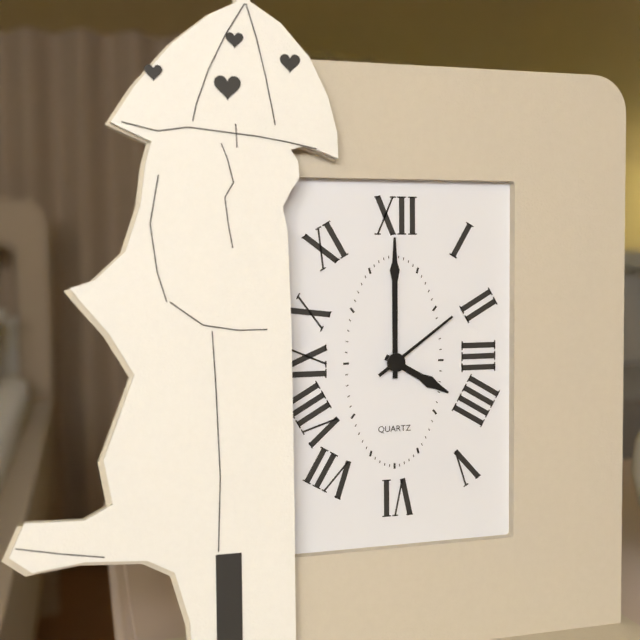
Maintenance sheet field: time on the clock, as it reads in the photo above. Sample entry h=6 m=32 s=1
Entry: h=4 m=0 s=9
